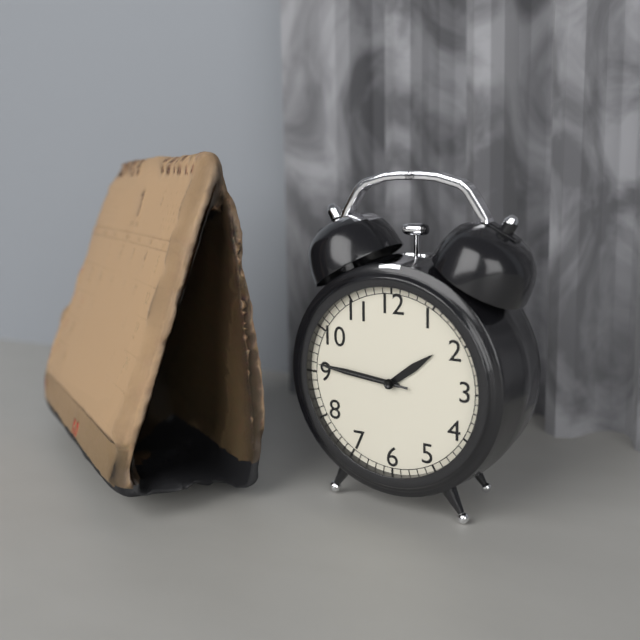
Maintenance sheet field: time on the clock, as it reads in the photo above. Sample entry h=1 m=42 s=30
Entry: h=1 m=46 s=46
